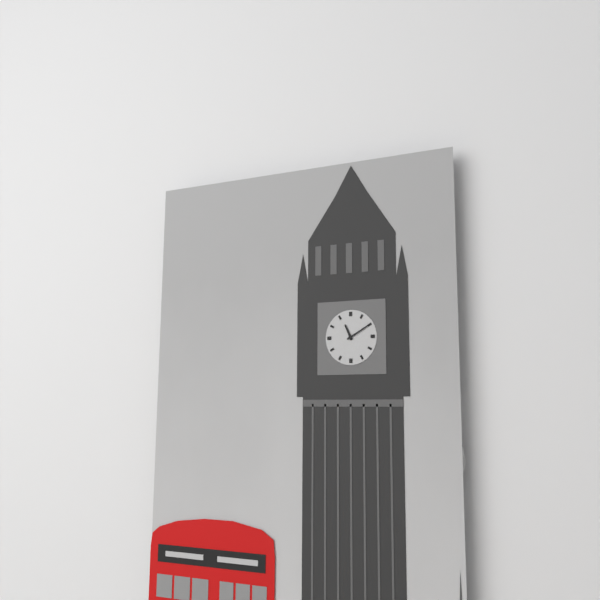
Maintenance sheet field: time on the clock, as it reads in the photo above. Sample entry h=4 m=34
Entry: h=11 m=10
